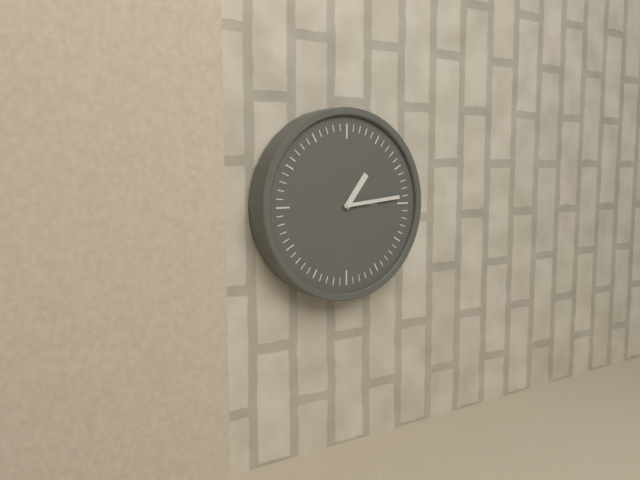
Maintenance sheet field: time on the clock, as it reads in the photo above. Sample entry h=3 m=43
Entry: h=1 m=14
